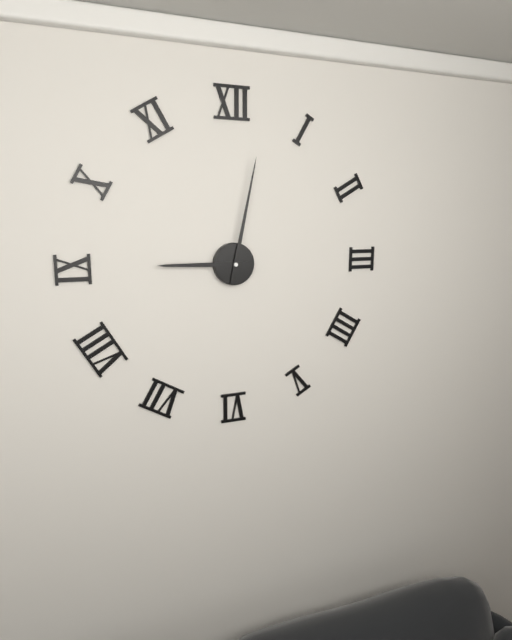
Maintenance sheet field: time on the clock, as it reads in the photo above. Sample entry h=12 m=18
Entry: h=9 m=2
